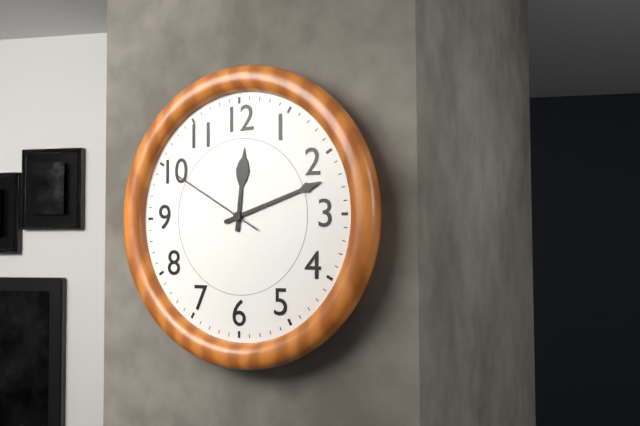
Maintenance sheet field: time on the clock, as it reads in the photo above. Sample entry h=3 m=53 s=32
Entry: h=12 m=12 s=50
